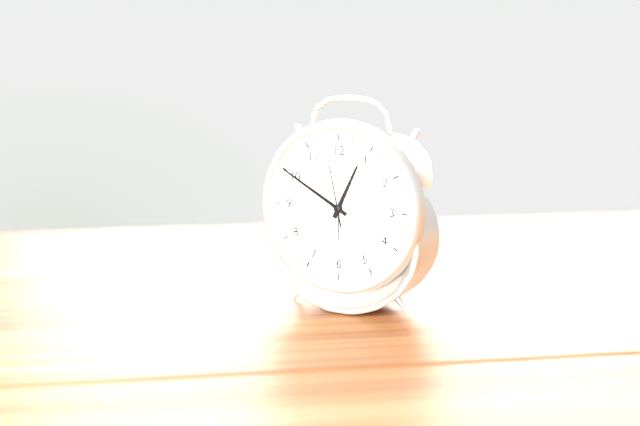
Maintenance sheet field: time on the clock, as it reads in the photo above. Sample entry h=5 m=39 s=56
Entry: h=12 m=50 s=58
